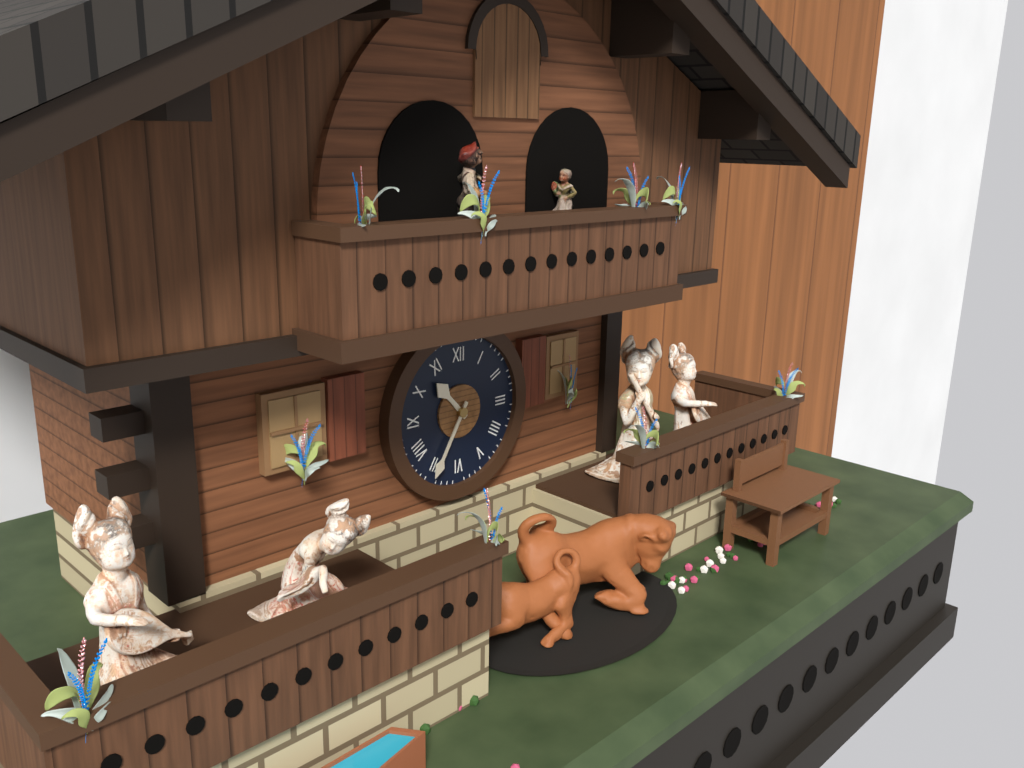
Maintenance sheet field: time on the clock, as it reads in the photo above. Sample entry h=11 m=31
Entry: h=10 m=35
